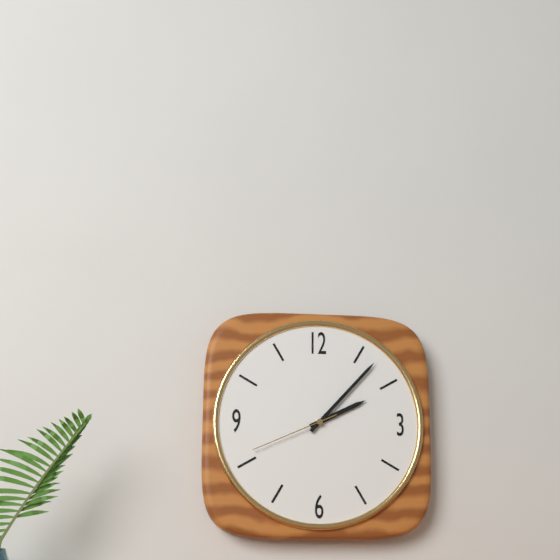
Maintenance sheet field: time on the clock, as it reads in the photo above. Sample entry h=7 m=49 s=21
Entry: h=2 m=7 s=41
